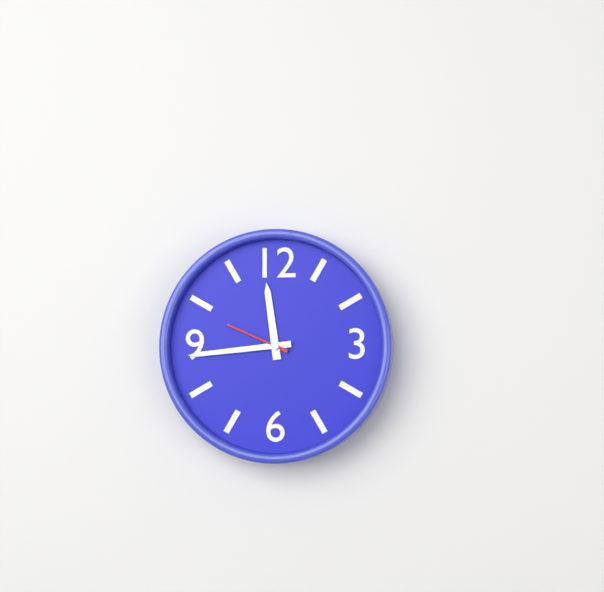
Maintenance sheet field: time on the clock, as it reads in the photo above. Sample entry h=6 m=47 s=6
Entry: h=11 m=44 s=49
